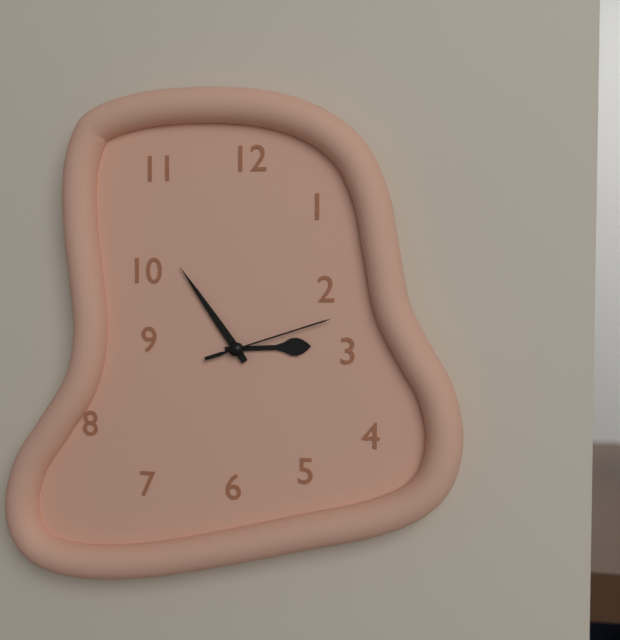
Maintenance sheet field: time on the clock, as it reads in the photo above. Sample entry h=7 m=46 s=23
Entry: h=2 m=54 s=12
